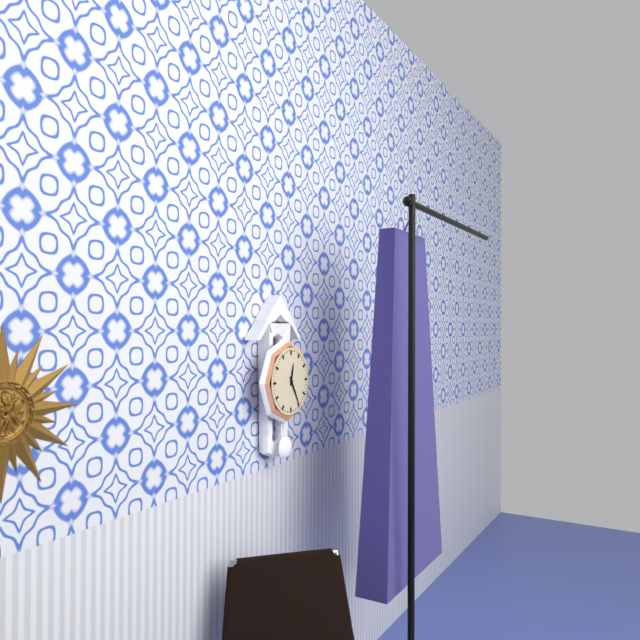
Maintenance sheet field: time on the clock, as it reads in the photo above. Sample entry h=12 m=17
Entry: h=12 m=25
